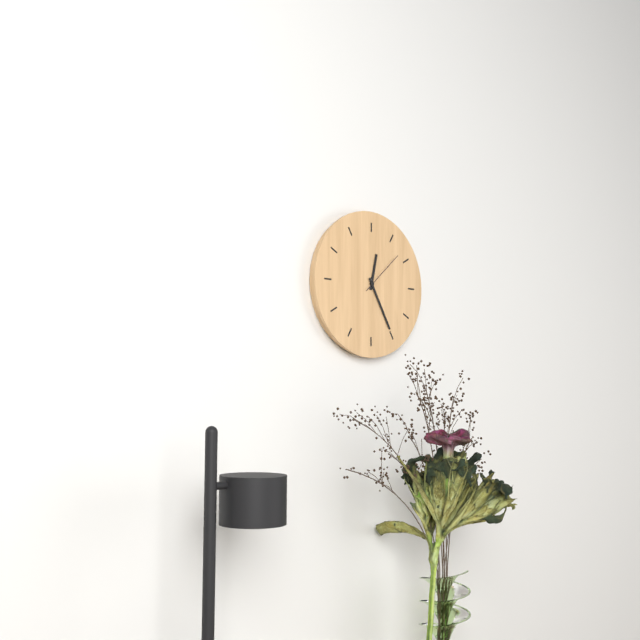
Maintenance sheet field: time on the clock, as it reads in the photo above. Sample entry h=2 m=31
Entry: h=12 m=25
